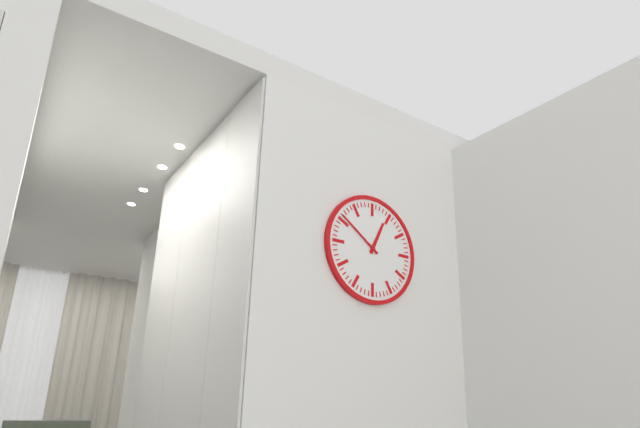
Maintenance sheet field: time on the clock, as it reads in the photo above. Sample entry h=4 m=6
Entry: h=12 m=51
